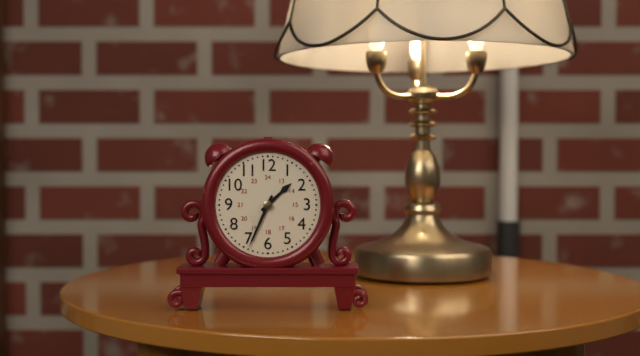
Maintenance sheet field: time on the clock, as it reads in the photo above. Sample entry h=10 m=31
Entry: h=1 m=34
